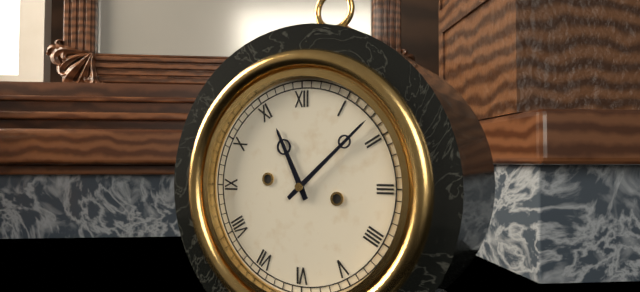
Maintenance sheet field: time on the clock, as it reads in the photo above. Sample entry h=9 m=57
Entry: h=11 m=8
